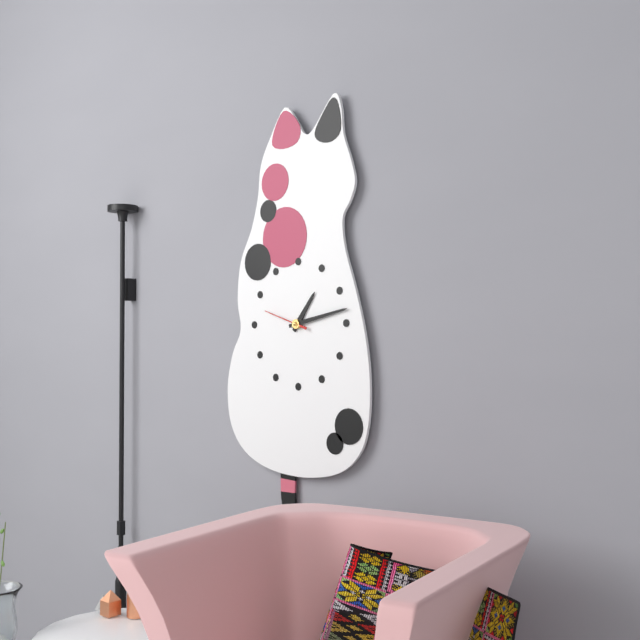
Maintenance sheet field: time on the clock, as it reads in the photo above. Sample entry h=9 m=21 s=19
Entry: h=1 m=13 s=48
